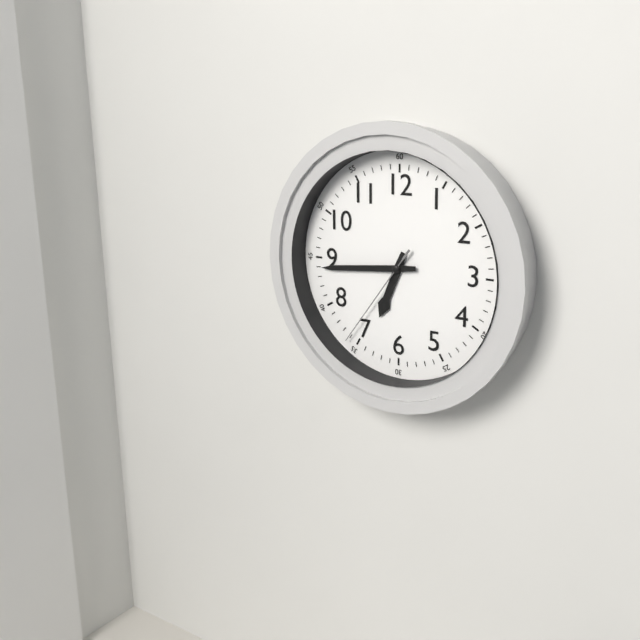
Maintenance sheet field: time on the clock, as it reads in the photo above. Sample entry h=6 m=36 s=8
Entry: h=6 m=44 s=36
